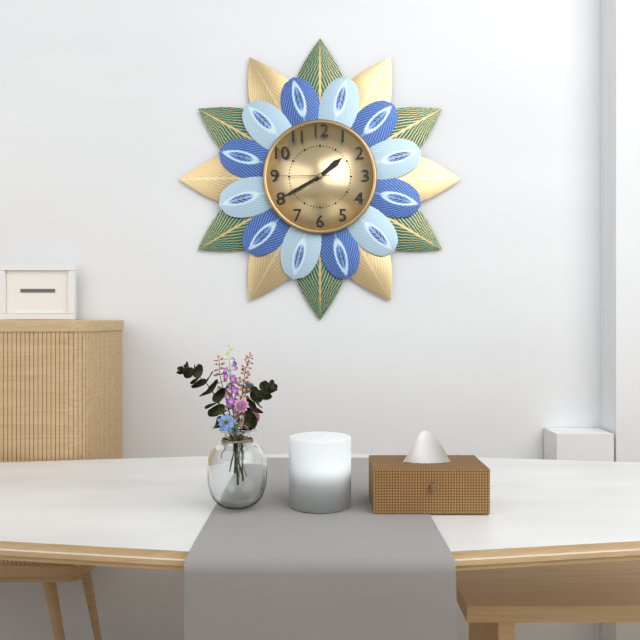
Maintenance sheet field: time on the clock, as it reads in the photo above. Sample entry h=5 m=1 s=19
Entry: h=1 m=40 s=45
